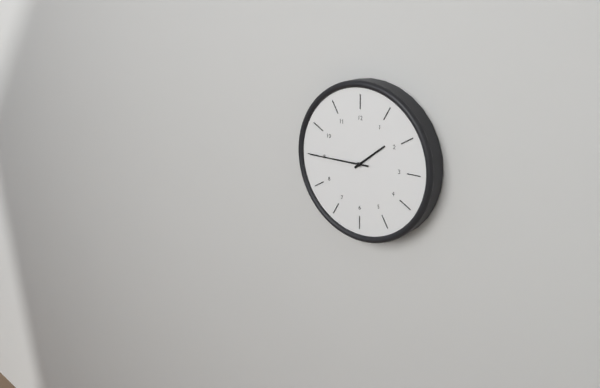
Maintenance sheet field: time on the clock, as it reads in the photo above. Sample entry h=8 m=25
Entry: h=1 m=45
